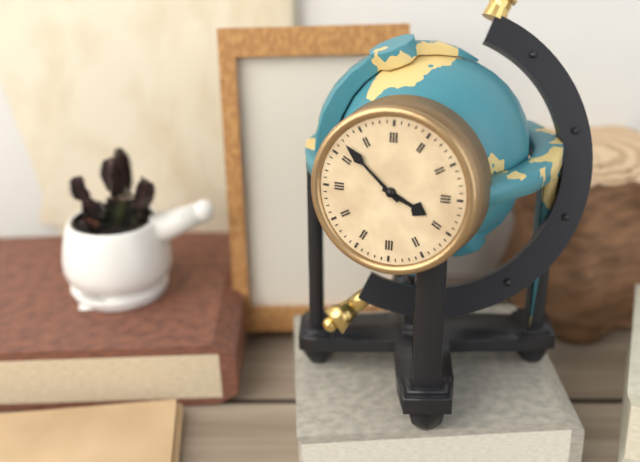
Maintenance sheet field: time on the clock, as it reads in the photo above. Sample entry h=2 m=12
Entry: h=3 m=52
